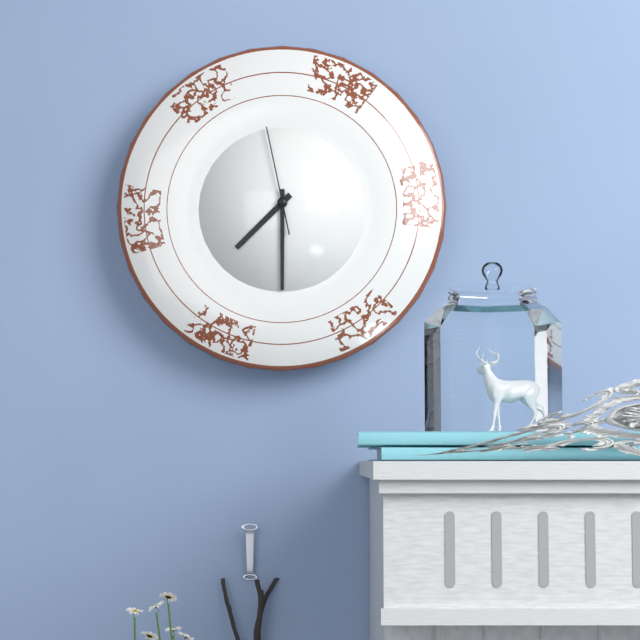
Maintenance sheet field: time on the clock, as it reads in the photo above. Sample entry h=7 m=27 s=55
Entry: h=7 m=30 s=58
